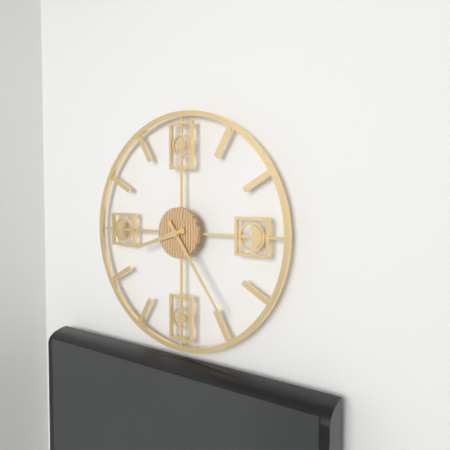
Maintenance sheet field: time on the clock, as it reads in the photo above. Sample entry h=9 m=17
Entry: h=8 m=24
